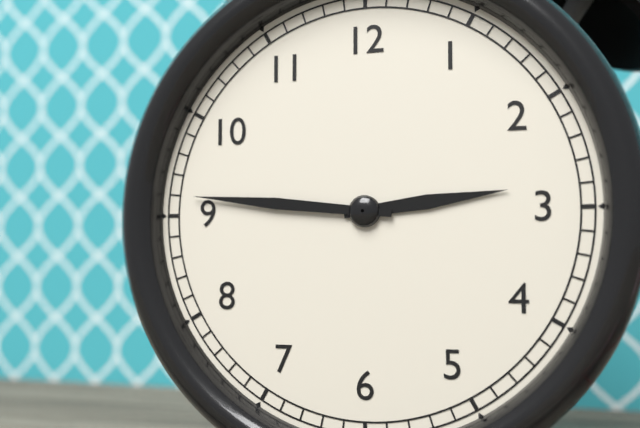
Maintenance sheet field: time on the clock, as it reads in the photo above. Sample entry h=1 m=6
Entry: h=2 m=46
